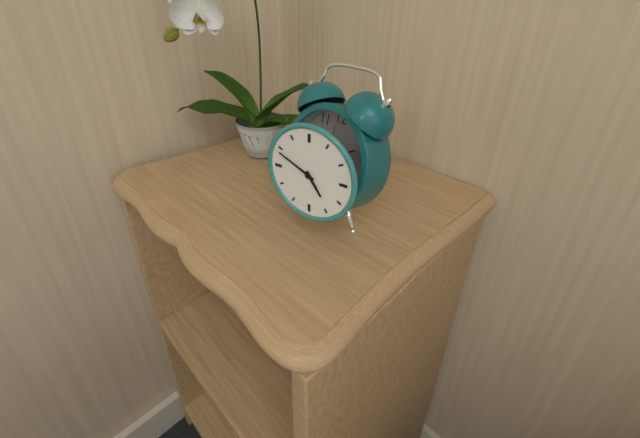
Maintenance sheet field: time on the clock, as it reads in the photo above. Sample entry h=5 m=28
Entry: h=4 m=49
